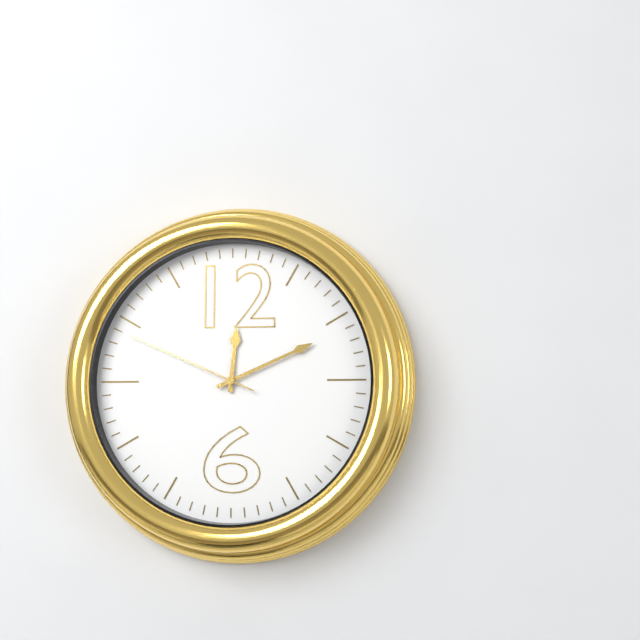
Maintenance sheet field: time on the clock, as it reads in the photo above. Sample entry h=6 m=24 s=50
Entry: h=12 m=11 s=49
